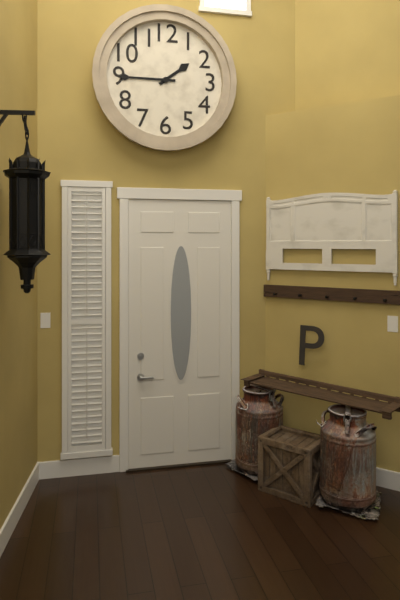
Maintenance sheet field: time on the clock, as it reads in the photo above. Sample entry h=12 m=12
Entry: h=1 m=45
